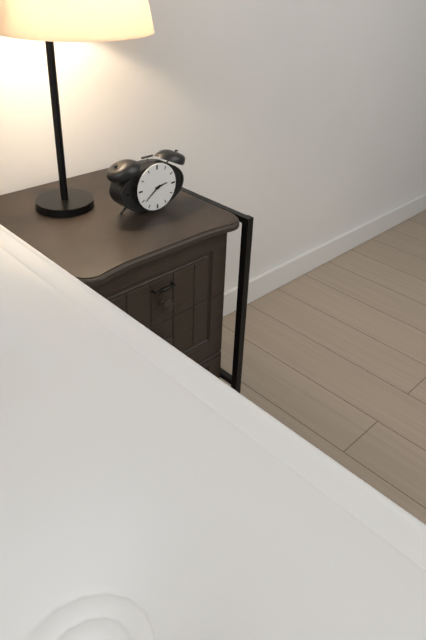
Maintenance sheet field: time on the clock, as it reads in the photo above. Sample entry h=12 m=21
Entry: h=2 m=39
